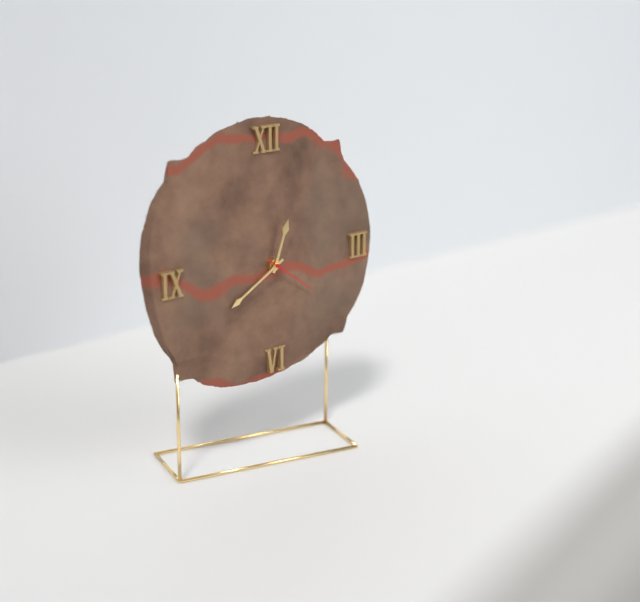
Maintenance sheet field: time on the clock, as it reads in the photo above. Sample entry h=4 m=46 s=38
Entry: h=12 m=40 s=21
